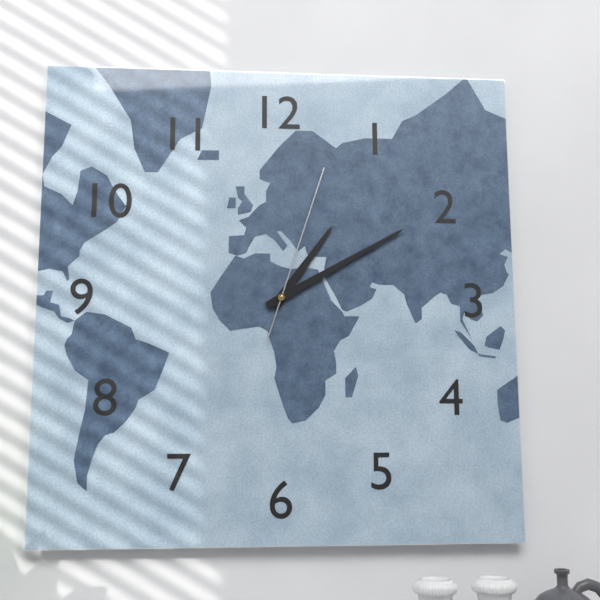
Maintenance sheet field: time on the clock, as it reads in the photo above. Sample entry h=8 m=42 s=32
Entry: h=1 m=10 s=3
